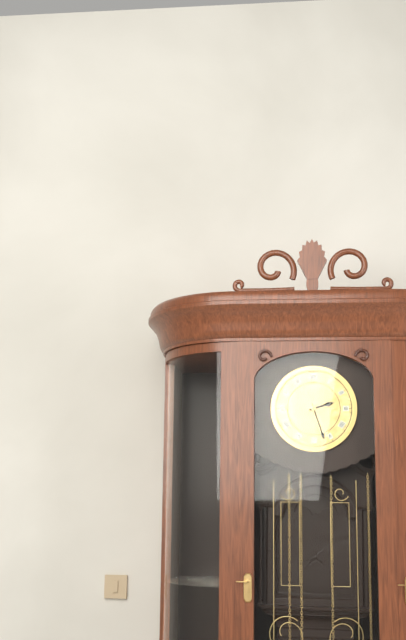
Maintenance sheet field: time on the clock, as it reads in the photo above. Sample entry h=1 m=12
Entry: h=2 m=27
